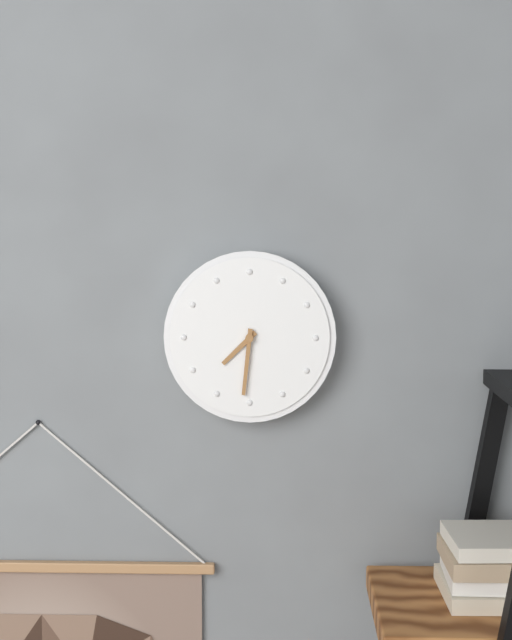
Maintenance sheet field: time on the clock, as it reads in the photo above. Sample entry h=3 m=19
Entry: h=7 m=31
